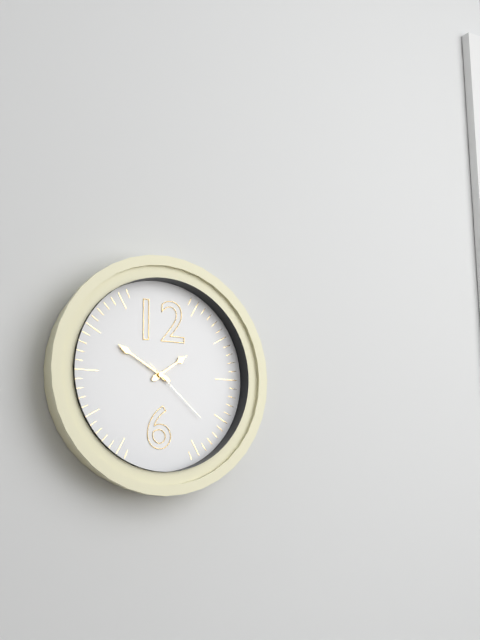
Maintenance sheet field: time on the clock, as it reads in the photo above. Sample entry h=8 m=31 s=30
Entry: h=1 m=50 s=22
